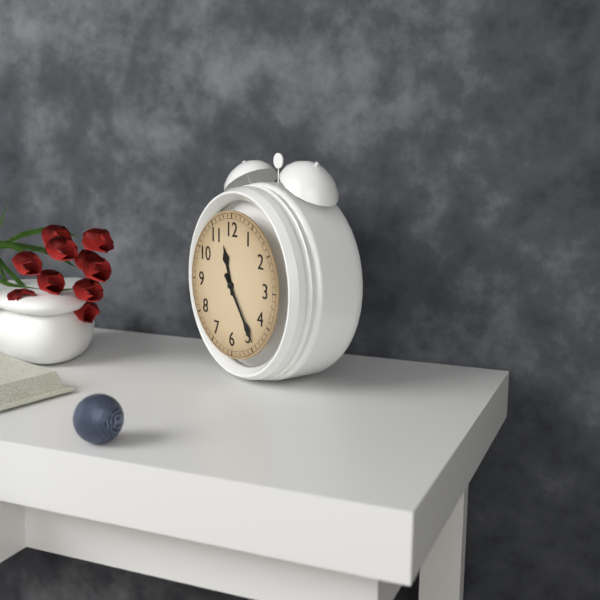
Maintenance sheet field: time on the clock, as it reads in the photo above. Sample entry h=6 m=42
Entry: h=11 m=24
